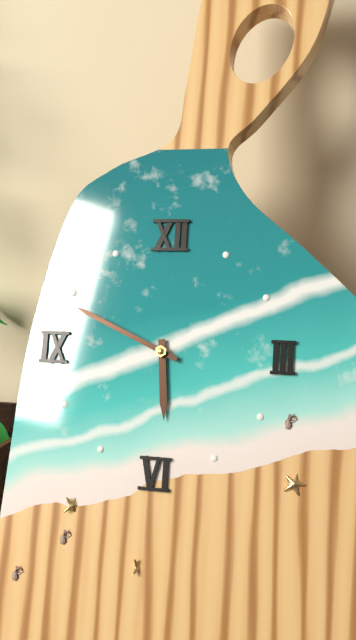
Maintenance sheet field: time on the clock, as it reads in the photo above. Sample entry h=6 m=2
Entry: h=5 m=49
